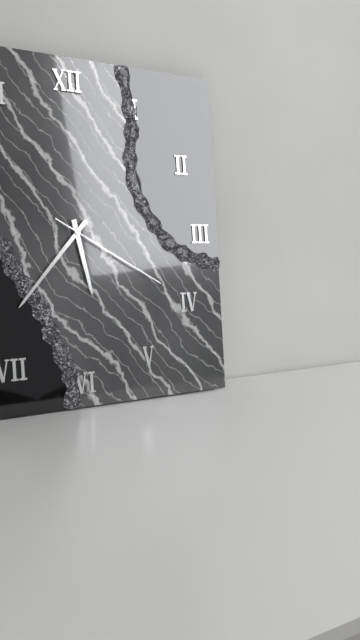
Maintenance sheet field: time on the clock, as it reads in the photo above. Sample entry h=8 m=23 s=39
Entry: h=5 m=37 s=20
